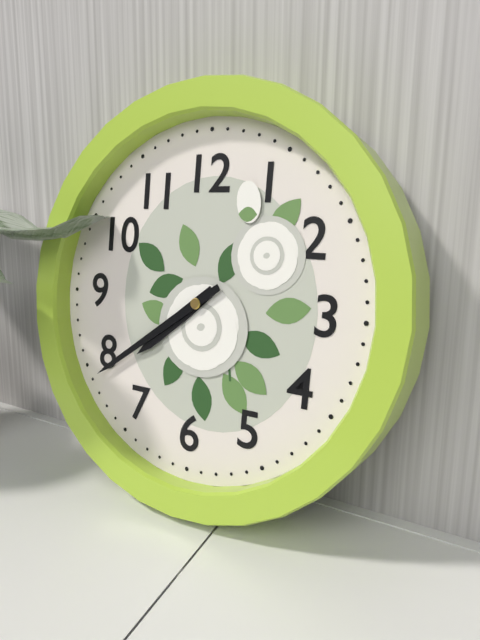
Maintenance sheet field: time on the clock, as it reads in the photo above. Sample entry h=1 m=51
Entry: h=7 m=39
